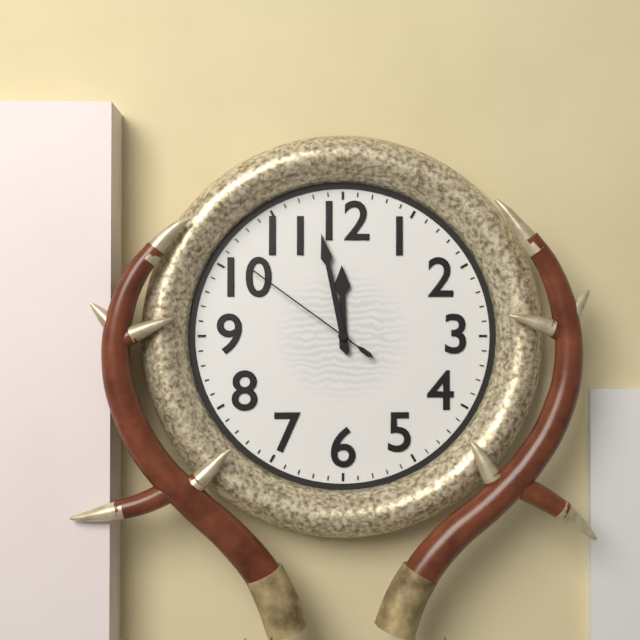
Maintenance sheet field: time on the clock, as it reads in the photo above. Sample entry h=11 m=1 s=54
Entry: h=11 m=58 s=51
